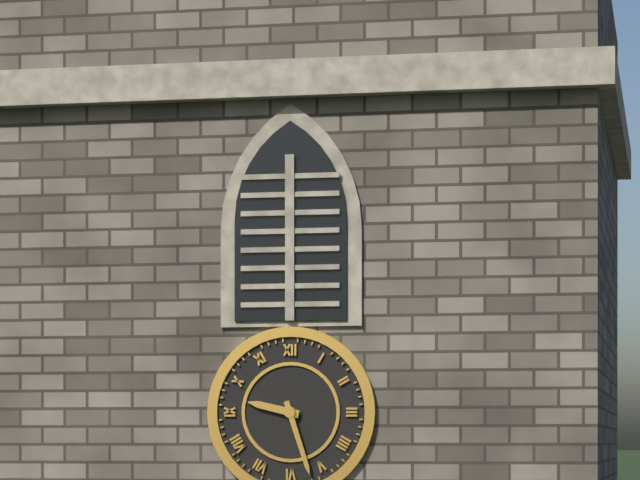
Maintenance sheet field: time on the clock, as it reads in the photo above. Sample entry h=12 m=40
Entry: h=9 m=27
